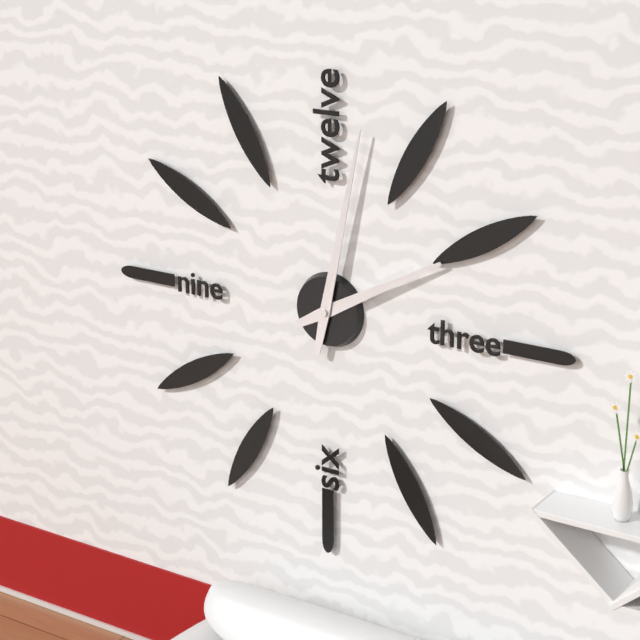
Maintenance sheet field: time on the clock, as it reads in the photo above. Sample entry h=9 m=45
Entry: h=2 m=2
